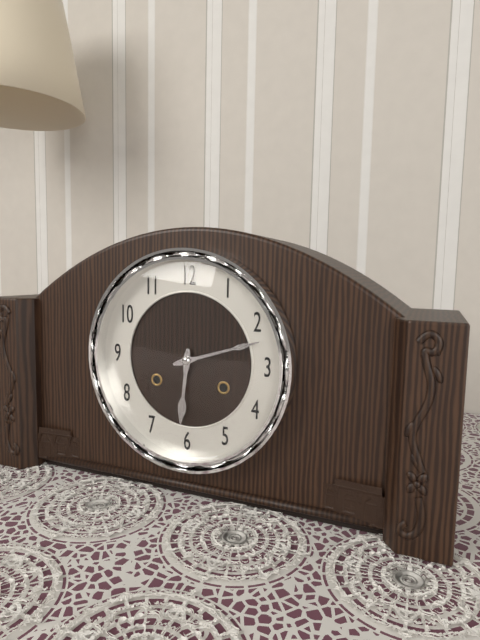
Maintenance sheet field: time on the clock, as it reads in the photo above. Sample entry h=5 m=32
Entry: h=6 m=12
